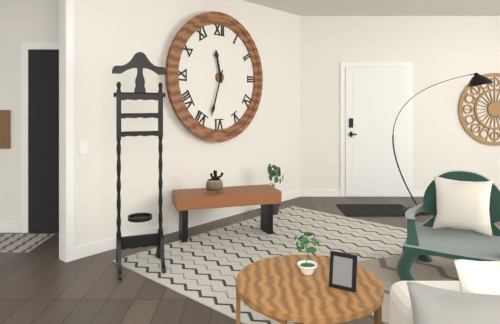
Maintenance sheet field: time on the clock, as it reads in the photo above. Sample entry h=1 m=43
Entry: h=11 m=33
